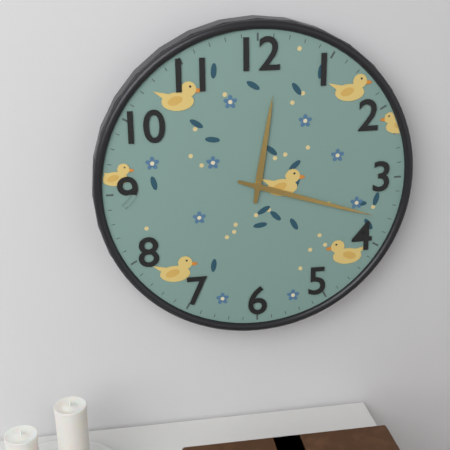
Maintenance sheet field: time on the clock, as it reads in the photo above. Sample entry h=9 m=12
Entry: h=12 m=18
